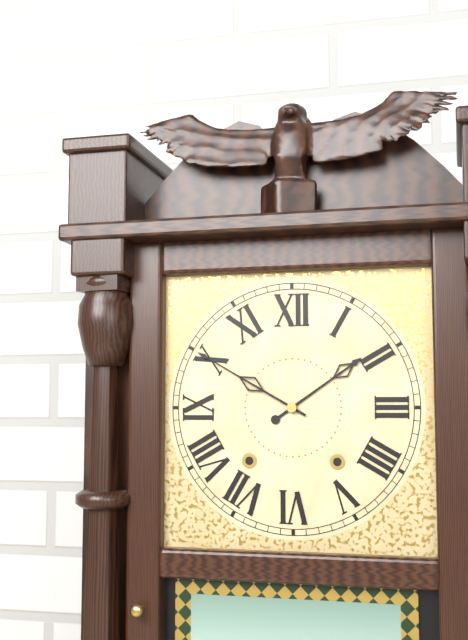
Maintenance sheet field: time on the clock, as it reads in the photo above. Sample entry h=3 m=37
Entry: h=1 m=50
